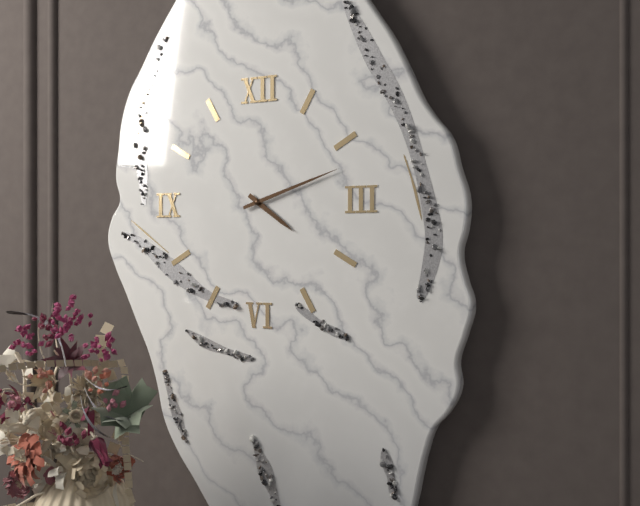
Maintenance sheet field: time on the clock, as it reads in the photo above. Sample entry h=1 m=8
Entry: h=4 m=12
